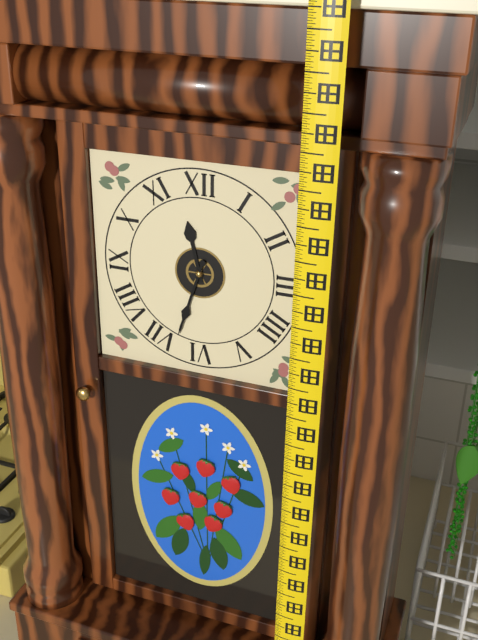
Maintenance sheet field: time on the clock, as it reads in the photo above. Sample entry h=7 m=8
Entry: h=11 m=33
